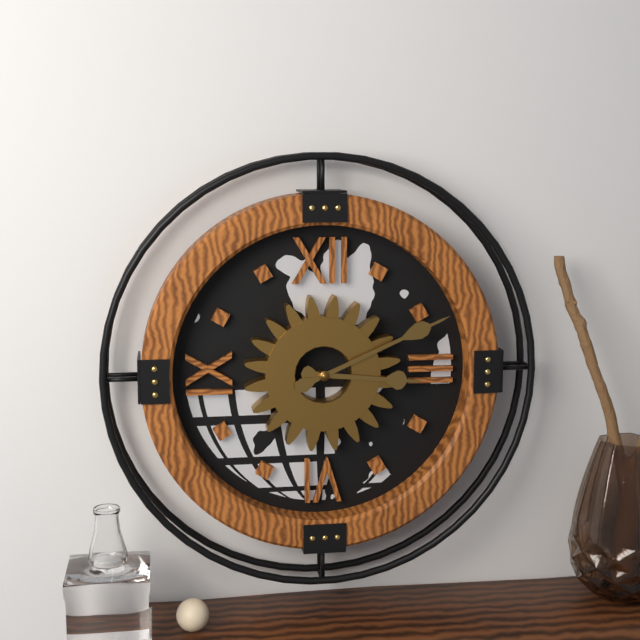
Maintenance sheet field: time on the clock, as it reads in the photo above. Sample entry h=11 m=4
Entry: h=3 m=11
